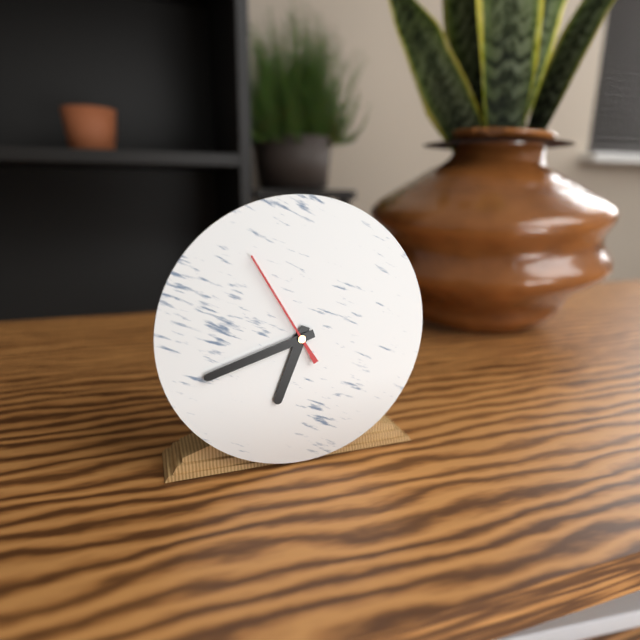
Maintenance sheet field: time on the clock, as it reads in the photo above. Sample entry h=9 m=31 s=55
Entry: h=6 m=42 s=55
